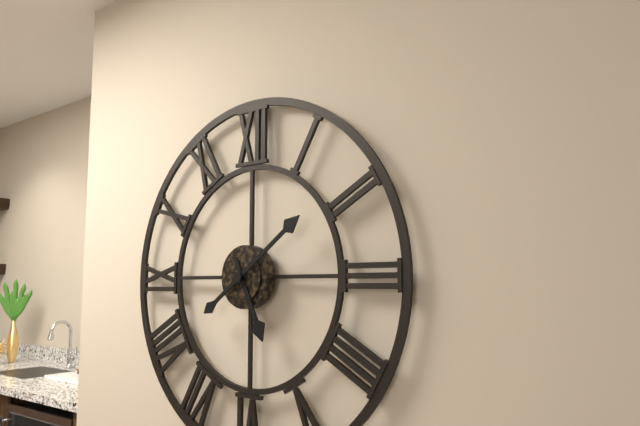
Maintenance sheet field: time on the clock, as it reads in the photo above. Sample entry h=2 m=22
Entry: h=5 m=9
